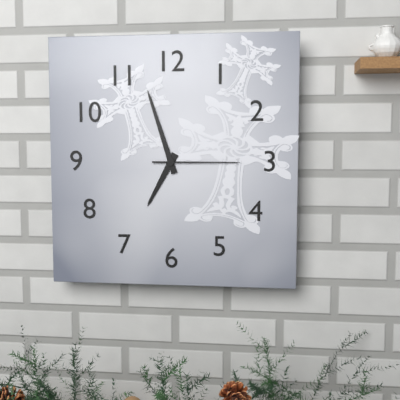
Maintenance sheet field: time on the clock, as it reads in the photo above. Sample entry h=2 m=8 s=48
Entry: h=6 m=57 s=15
